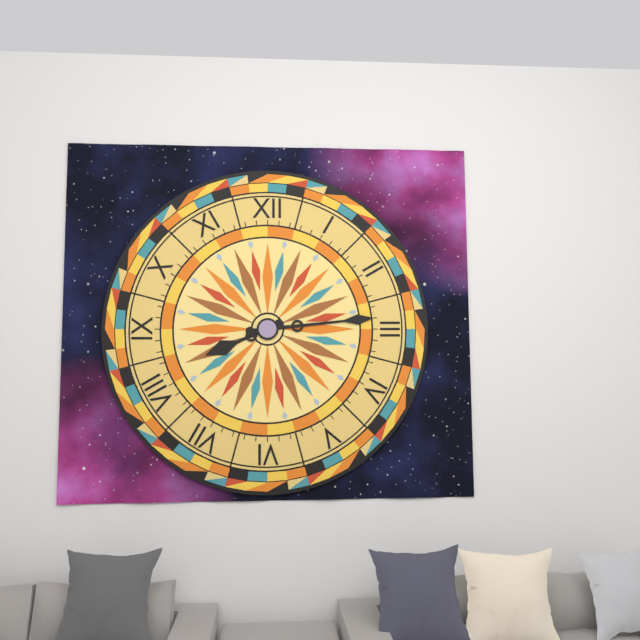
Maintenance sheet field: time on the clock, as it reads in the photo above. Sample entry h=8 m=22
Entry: h=8 m=14
